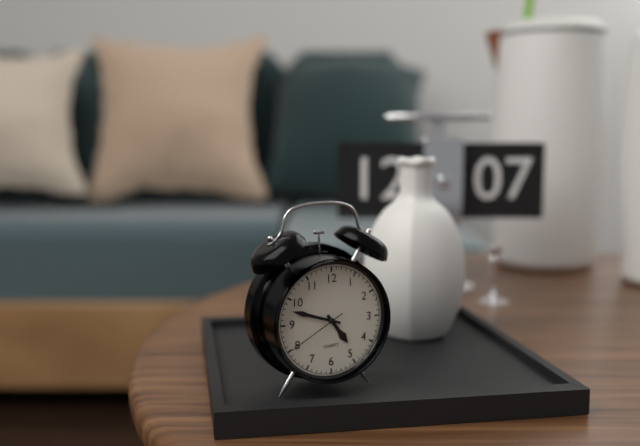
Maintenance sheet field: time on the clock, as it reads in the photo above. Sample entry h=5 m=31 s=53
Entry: h=4 m=48 s=40
